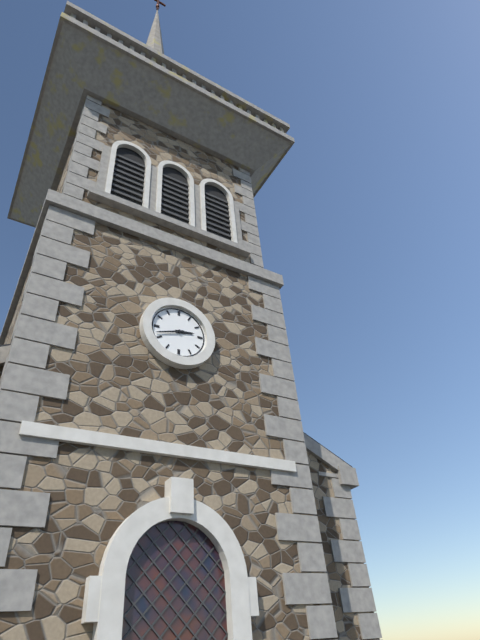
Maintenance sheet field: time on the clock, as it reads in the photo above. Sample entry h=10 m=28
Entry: h=2 m=42
